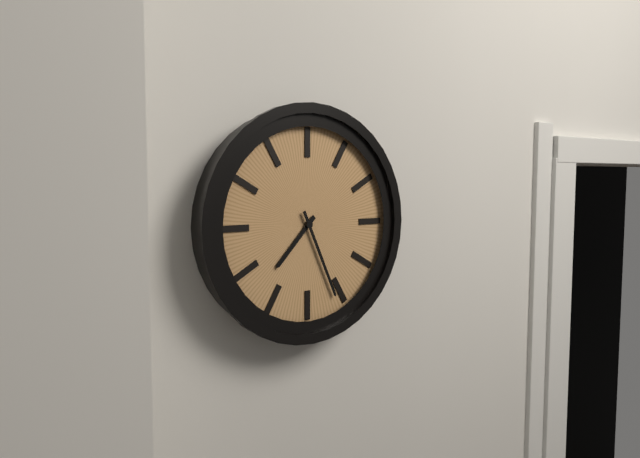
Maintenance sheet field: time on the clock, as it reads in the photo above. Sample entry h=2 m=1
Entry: h=7 m=26
